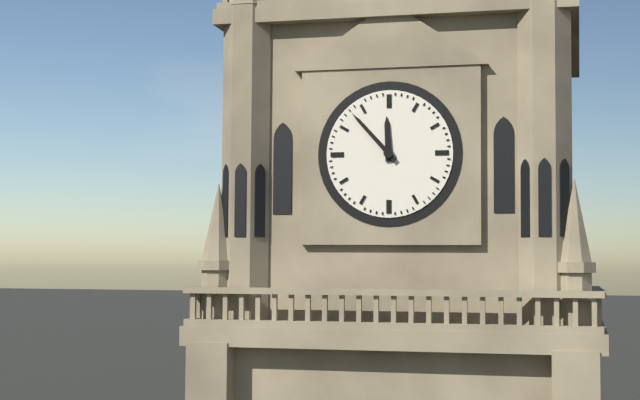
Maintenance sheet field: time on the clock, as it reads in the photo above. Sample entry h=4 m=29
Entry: h=11 m=53
